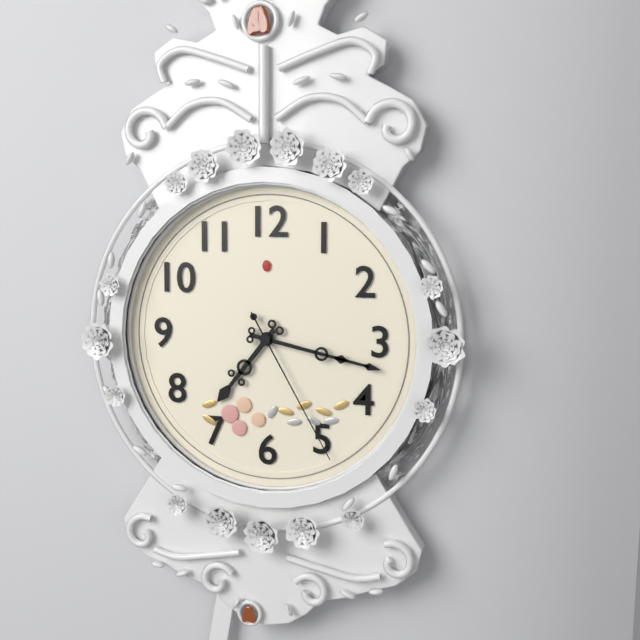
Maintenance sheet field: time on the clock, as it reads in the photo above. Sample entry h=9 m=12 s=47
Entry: h=7 m=17 s=25
